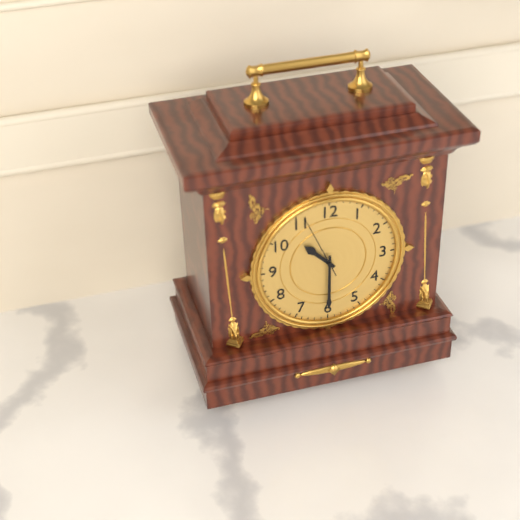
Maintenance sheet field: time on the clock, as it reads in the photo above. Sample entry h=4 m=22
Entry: h=10 m=30
